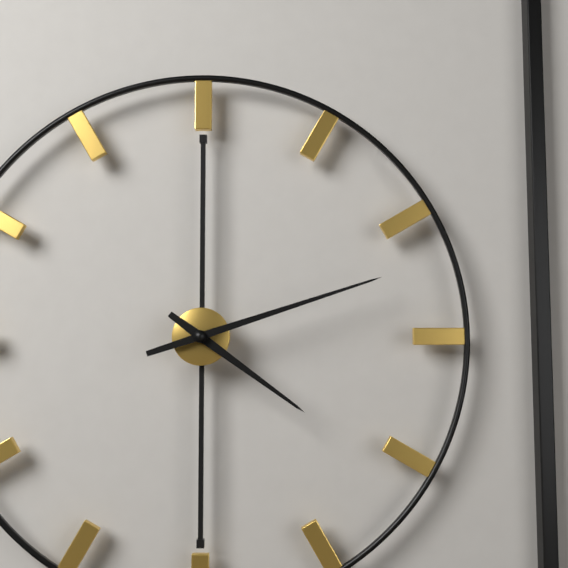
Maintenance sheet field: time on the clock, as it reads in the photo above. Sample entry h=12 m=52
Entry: h=4 m=12
